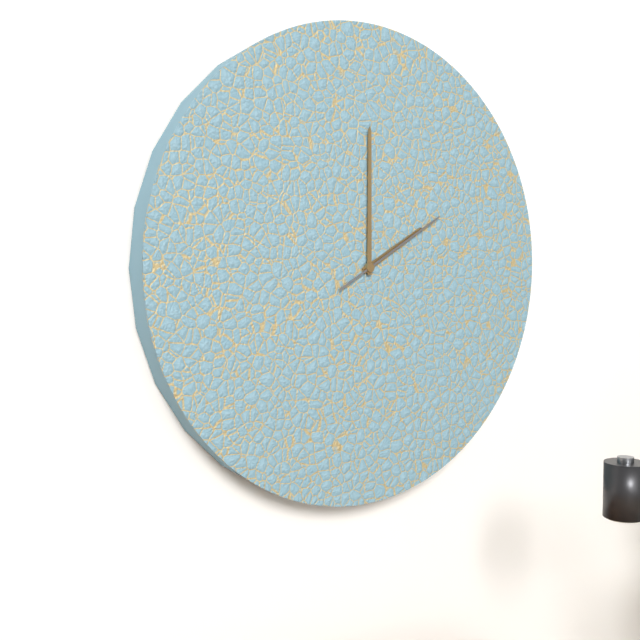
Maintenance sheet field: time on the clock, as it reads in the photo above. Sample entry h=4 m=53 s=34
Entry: h=2 m=0 s=10
